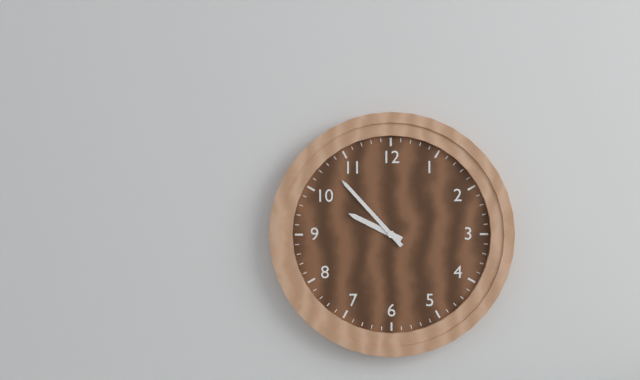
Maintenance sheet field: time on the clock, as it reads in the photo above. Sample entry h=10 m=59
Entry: h=9 m=53
